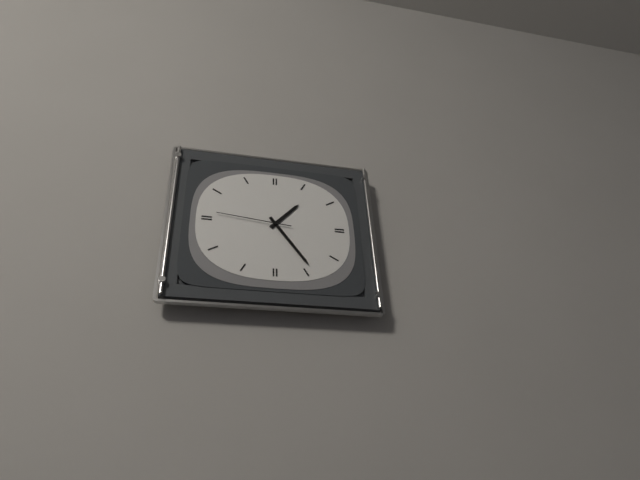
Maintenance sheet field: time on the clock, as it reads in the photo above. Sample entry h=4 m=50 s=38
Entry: h=1 m=24 s=46
